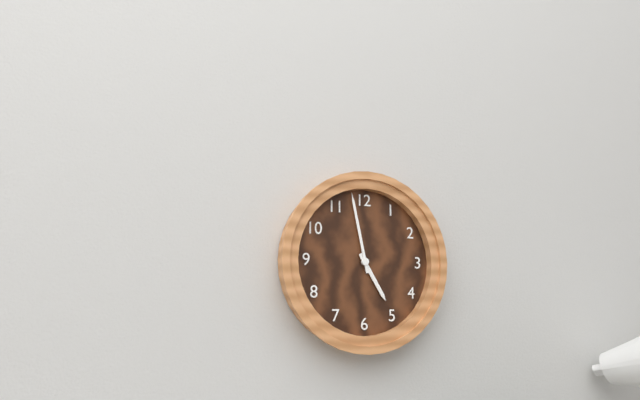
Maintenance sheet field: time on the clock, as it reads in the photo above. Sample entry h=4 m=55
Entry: h=4 m=58
